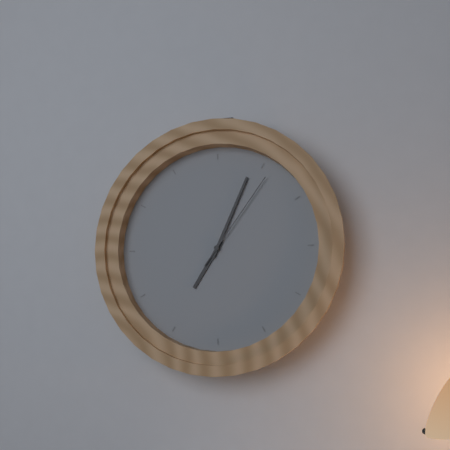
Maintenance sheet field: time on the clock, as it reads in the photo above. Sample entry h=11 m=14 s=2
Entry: h=7 m=4 s=6
